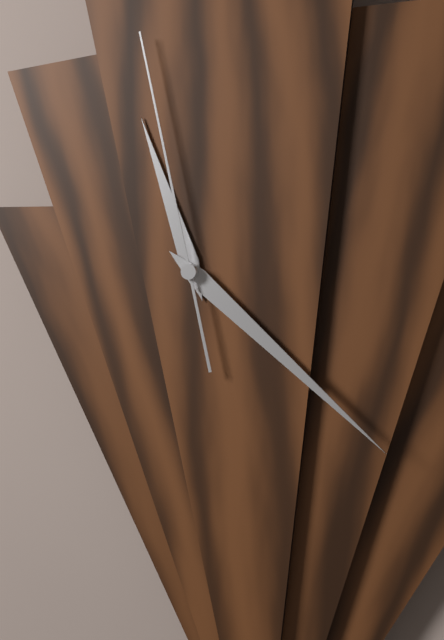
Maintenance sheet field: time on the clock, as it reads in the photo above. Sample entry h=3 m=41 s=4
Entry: h=11 m=22 s=58
